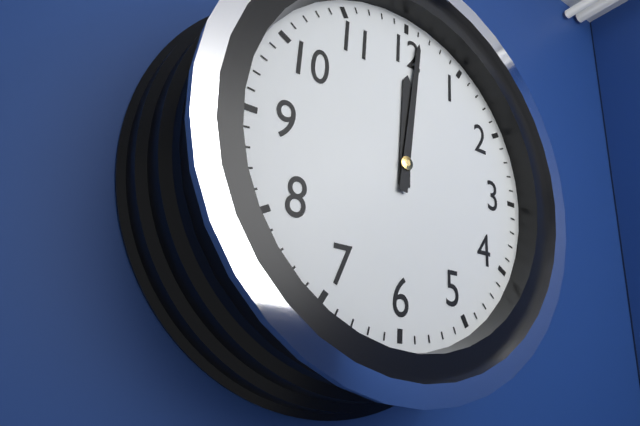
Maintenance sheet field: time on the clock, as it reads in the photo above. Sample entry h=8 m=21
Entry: h=12 m=1
